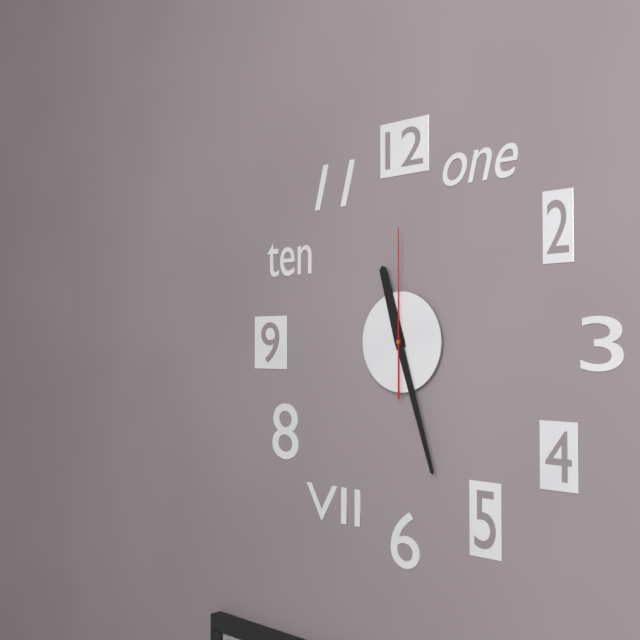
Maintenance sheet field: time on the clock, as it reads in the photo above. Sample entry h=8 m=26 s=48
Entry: h=11 m=27 s=0
